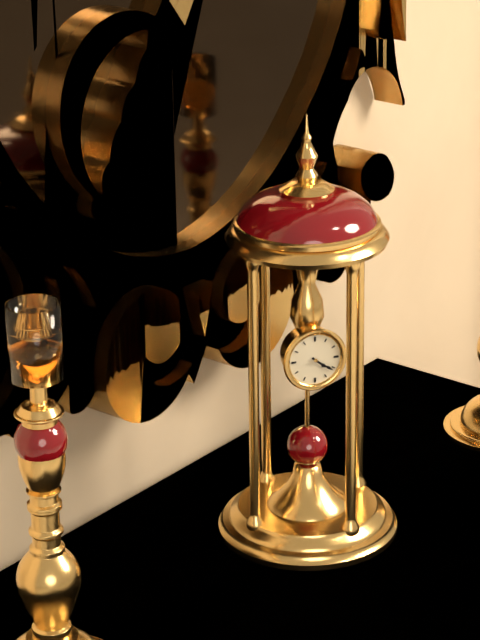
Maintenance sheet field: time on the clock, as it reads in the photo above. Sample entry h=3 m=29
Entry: h=4 m=21
